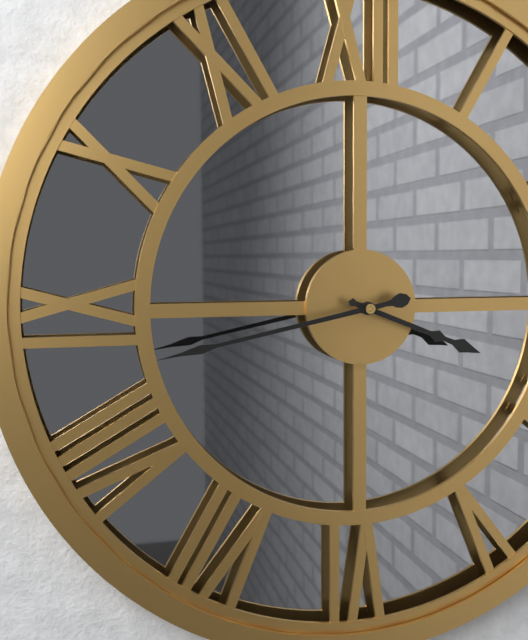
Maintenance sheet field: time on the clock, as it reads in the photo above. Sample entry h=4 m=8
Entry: h=3 m=43
